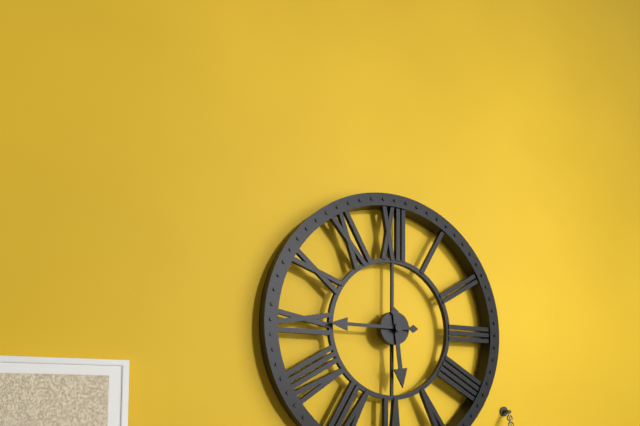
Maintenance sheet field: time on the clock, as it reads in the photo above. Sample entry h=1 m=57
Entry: h=5 m=45
